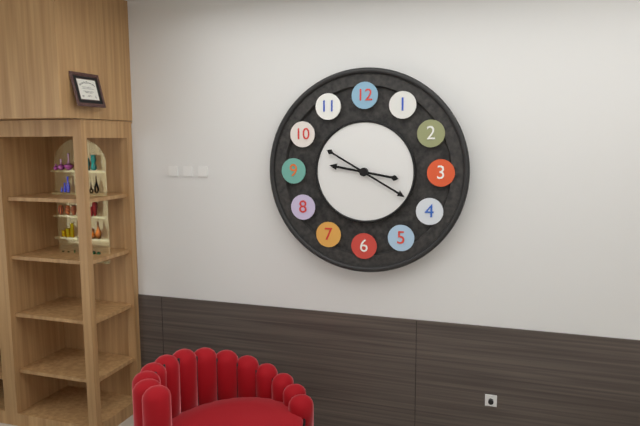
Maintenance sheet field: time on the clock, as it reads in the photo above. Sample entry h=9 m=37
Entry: h=9 m=20
